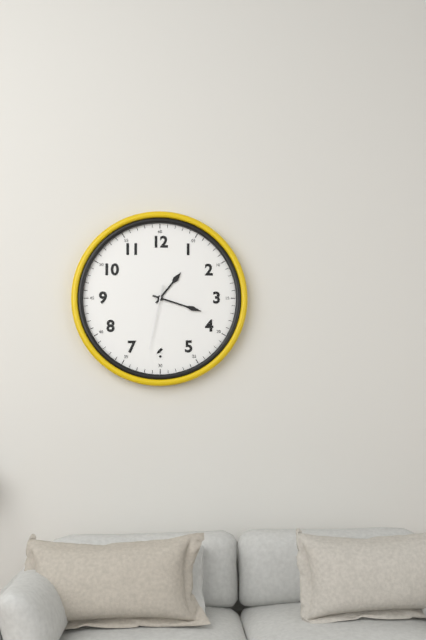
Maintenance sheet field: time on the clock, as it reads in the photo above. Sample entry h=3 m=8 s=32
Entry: h=1 m=18 s=32
